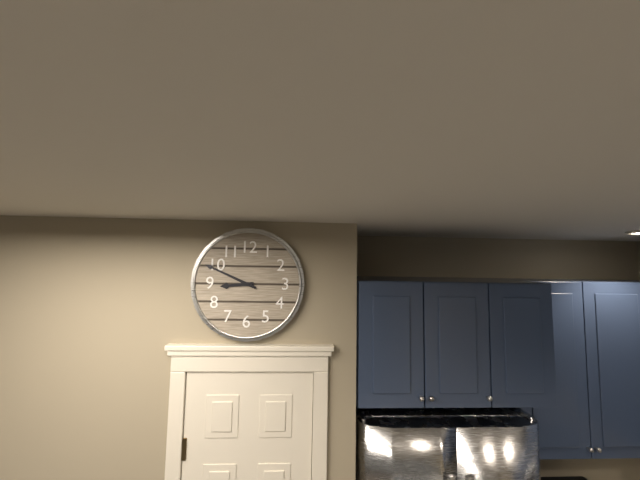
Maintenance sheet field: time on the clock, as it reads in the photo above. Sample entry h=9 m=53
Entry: h=8 m=49
